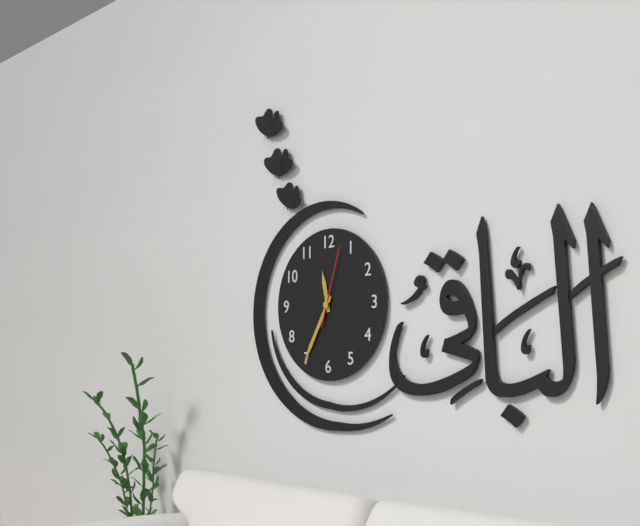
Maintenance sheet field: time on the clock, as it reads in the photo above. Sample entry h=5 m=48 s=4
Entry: h=11 m=35 s=3
